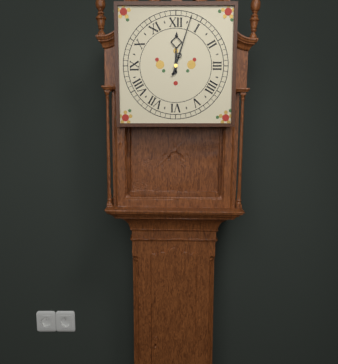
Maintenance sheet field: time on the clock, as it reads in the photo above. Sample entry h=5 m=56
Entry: h=12 m=3
